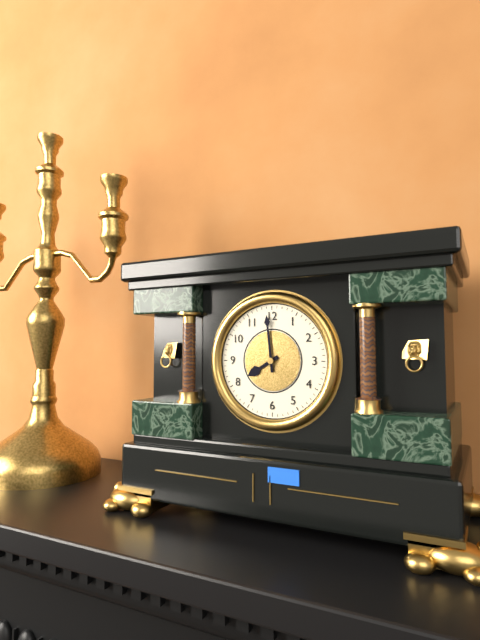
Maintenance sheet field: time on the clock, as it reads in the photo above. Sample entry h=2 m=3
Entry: h=7 m=59
